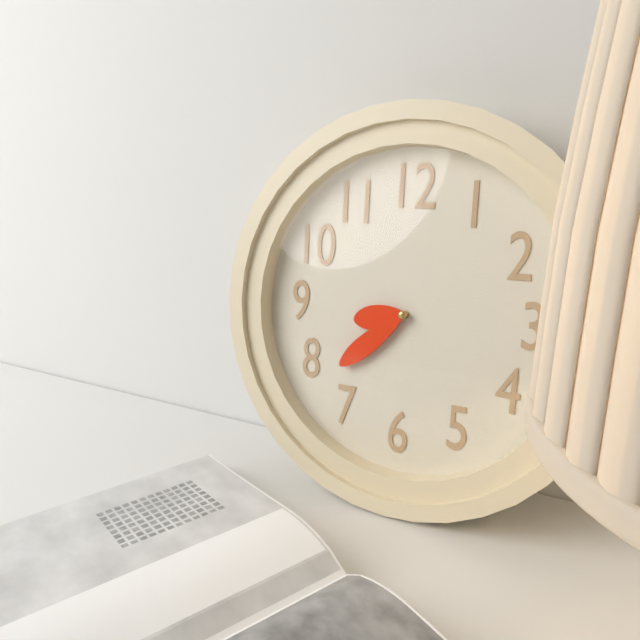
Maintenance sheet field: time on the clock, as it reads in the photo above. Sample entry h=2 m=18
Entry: h=8 m=38
